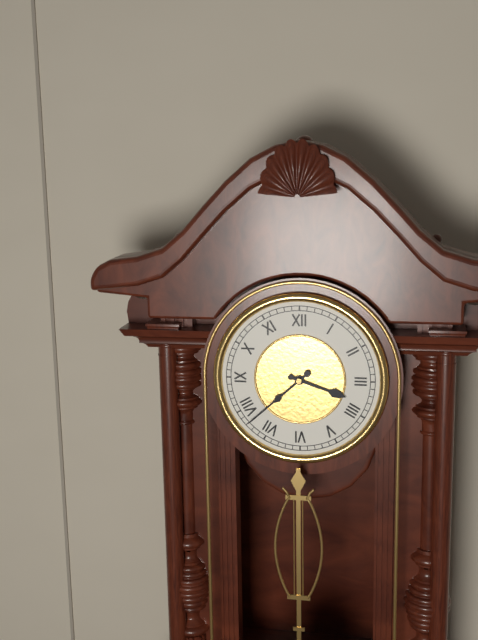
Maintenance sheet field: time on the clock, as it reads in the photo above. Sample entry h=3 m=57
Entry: h=3 m=38
